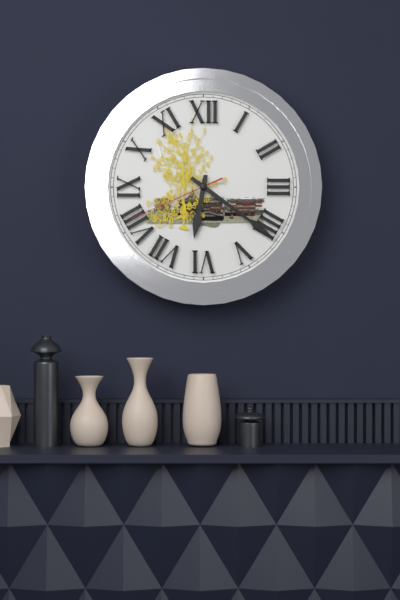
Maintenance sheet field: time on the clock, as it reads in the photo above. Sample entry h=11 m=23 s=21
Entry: h=6 m=21 s=41
